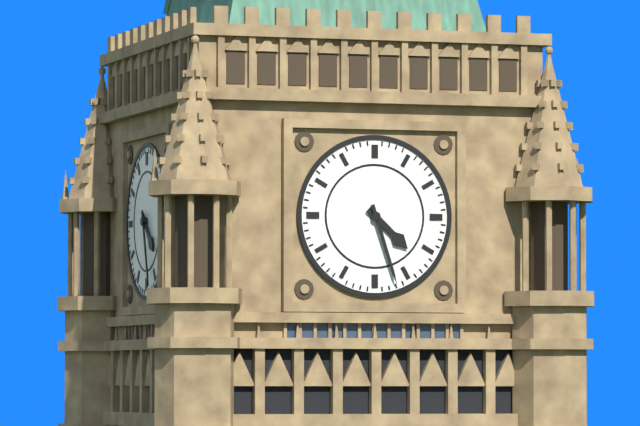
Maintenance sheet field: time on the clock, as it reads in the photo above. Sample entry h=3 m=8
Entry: h=4 m=27
